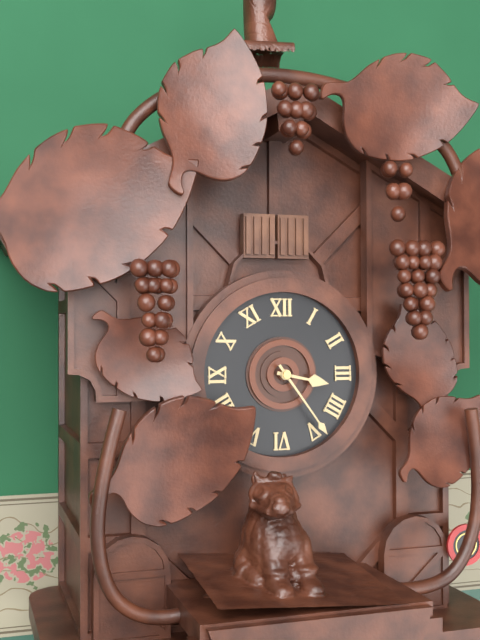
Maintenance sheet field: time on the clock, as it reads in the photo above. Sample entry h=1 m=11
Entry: h=3 m=24
